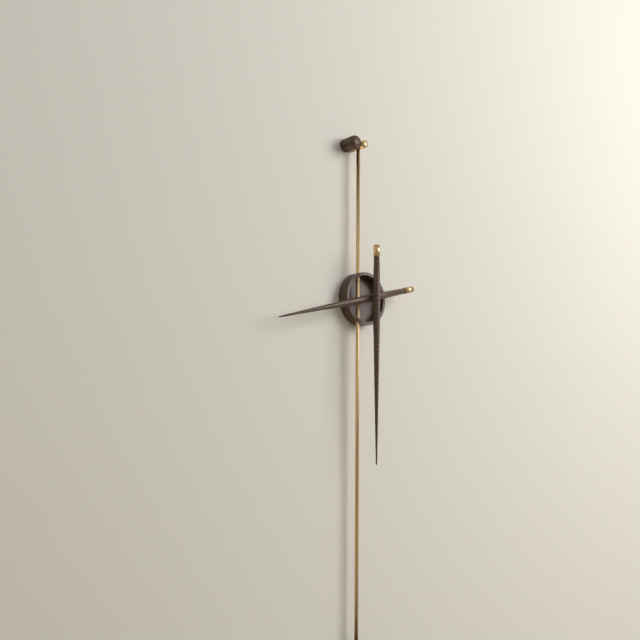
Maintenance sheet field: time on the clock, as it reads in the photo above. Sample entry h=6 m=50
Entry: h=8 m=30
